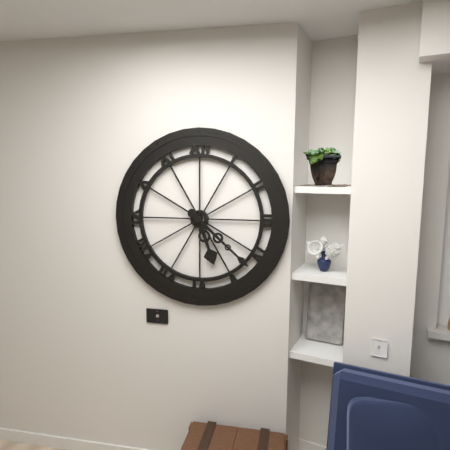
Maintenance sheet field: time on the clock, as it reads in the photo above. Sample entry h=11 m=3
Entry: h=5 m=22
